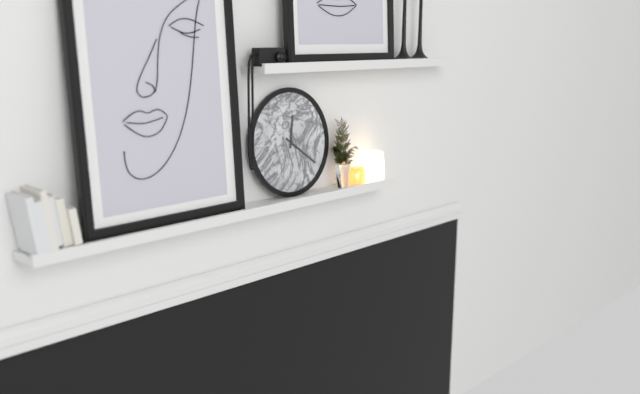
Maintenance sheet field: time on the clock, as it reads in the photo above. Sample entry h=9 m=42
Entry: h=12 m=21
